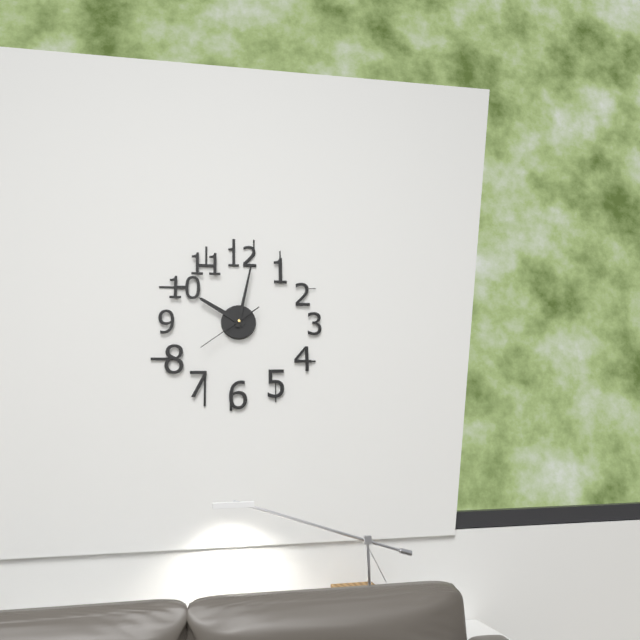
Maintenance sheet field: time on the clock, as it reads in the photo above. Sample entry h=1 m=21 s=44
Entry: h=10 m=2 s=39
